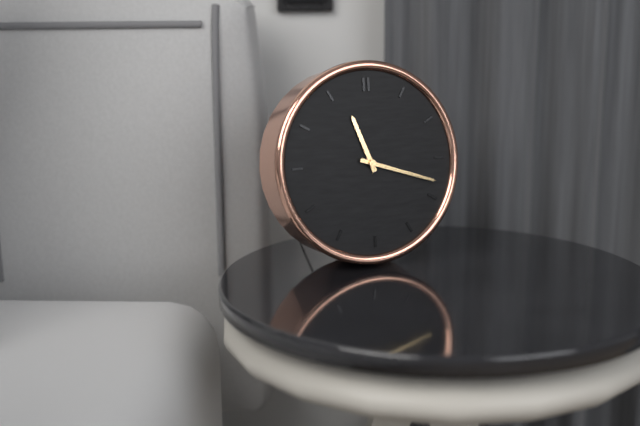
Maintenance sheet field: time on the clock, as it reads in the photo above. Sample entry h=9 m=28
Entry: h=11 m=18
